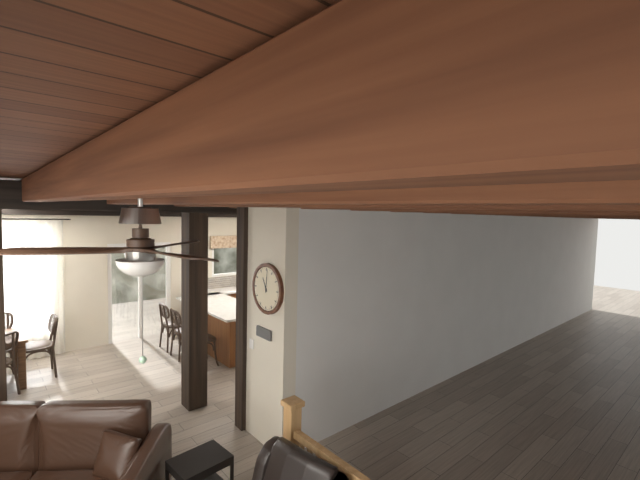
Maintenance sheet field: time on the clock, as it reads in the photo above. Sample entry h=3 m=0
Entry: h=11 m=1
